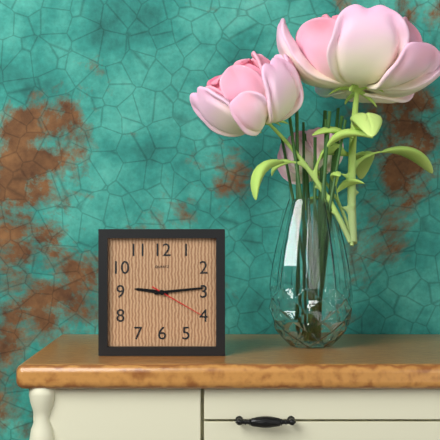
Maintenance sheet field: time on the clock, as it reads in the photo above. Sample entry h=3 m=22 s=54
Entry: h=9 m=14 s=20
